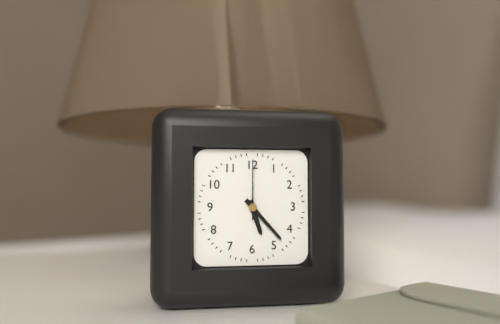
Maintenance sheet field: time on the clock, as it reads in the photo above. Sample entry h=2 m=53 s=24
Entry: h=5 m=23 s=0
